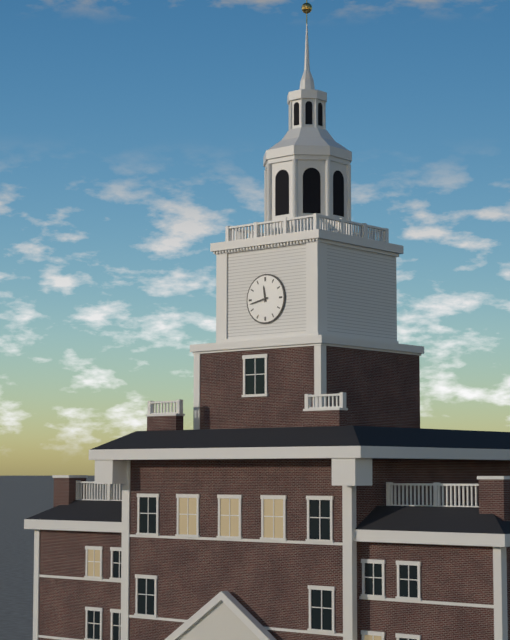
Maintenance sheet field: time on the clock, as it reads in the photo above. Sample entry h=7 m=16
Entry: h=11 m=43
